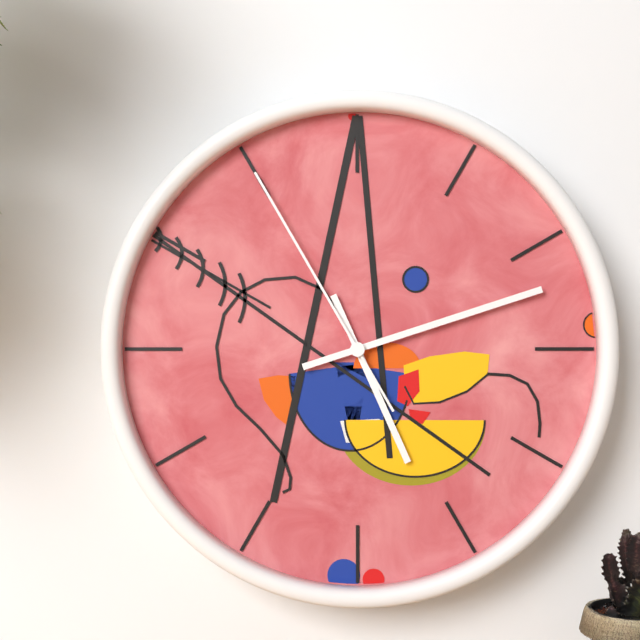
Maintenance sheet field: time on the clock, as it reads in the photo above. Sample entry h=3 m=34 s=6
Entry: h=5 m=12 s=55
